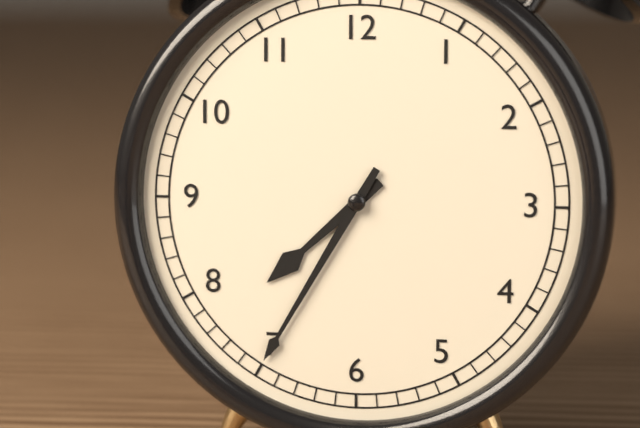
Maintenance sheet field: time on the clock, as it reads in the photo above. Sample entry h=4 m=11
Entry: h=7 m=35
